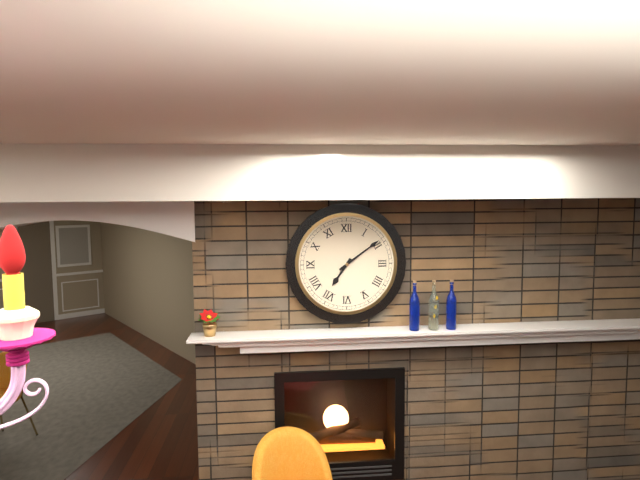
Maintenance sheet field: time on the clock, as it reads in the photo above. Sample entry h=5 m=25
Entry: h=7 m=9
